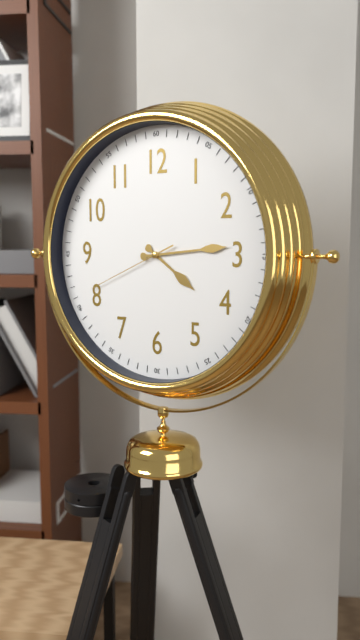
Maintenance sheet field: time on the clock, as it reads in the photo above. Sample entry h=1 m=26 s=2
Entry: h=4 m=14 s=41
